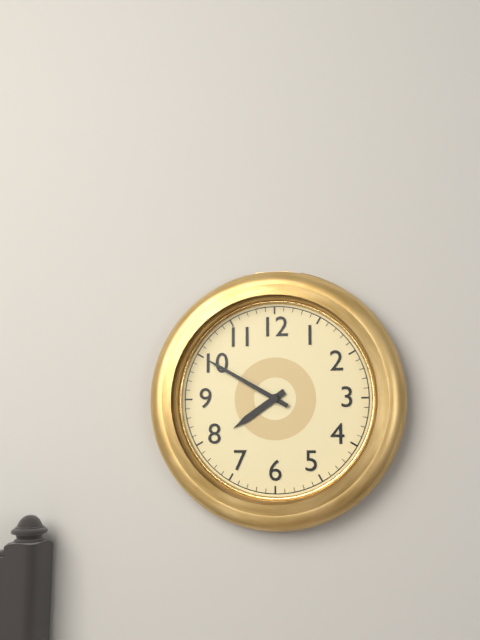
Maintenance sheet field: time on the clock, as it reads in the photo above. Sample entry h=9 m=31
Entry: h=7 m=50
